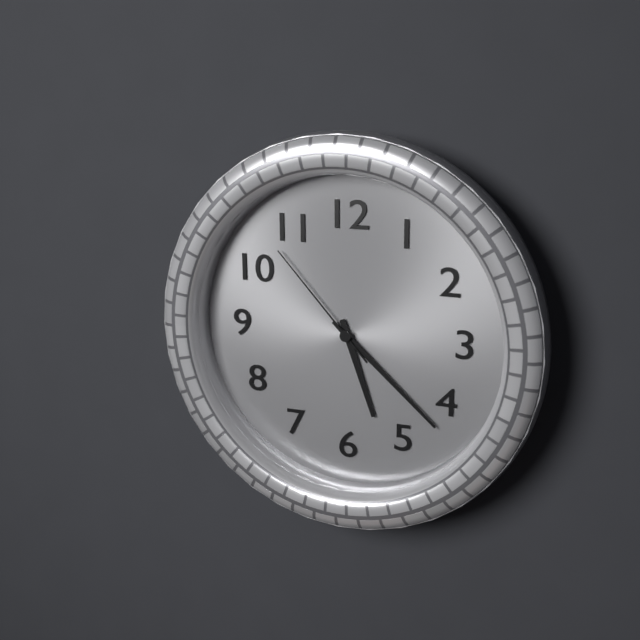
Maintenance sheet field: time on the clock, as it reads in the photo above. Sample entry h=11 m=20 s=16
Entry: h=5 m=22 s=53
